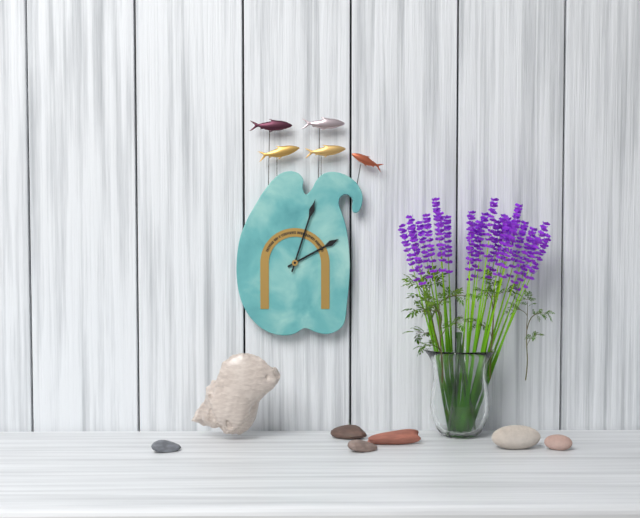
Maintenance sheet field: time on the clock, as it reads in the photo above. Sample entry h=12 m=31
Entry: h=2 m=3
